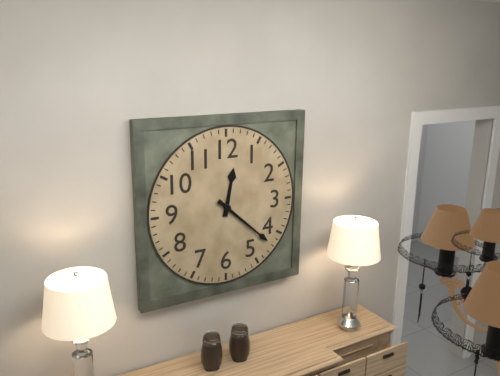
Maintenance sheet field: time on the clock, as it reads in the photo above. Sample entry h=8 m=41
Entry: h=12 m=22
